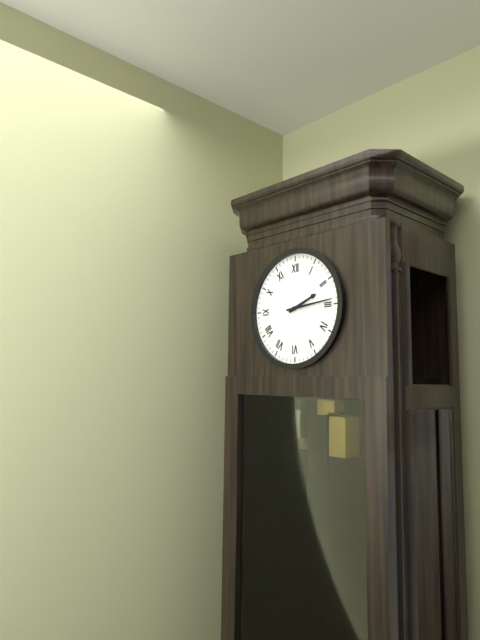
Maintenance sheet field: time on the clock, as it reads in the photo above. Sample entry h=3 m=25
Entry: h=2 m=14
